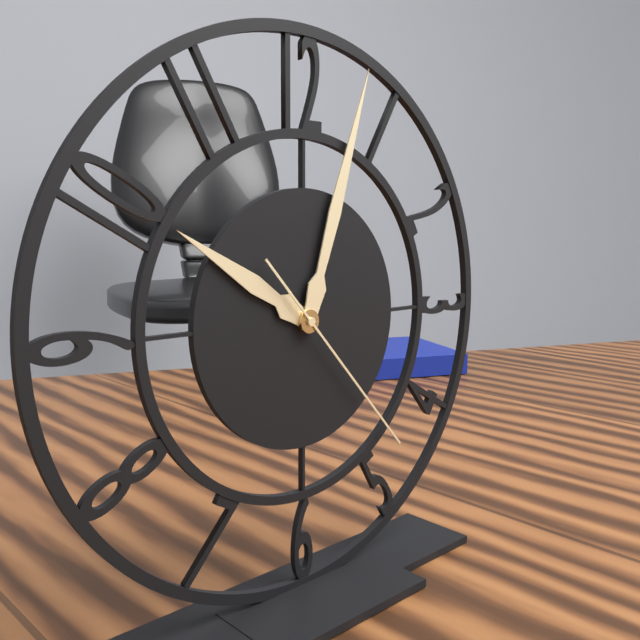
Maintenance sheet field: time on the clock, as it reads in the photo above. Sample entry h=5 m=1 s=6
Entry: h=10 m=3 s=23
